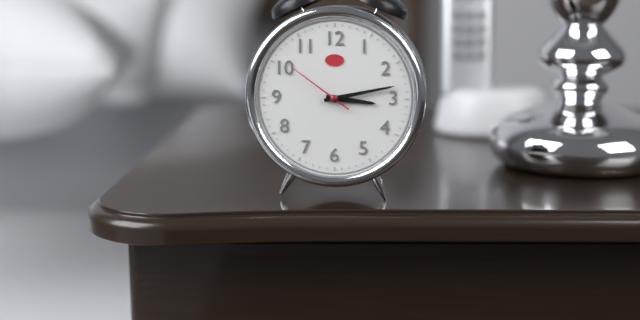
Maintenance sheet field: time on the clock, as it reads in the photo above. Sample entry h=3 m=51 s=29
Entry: h=3 m=13 s=51
